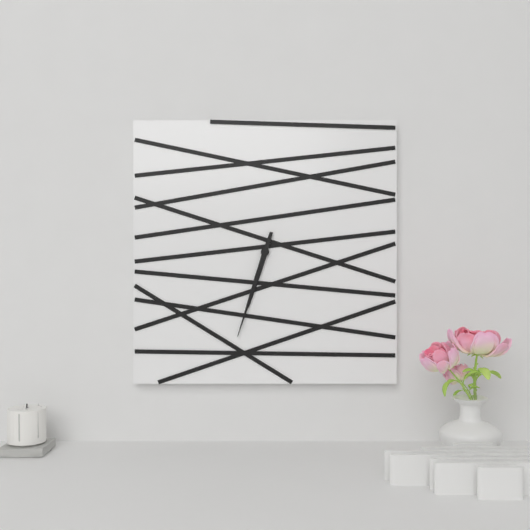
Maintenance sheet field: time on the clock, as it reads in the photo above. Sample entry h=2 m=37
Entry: h=6 m=33
